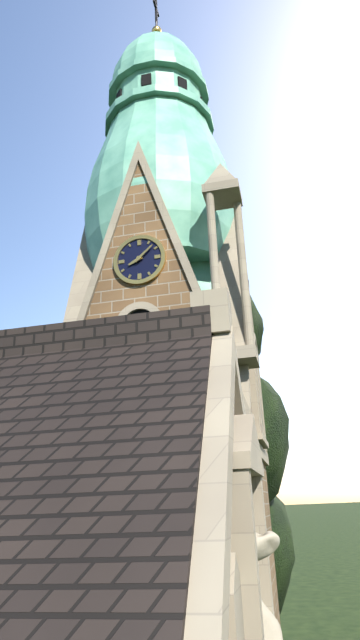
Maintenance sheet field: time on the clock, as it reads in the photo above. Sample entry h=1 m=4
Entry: h=8 m=8
